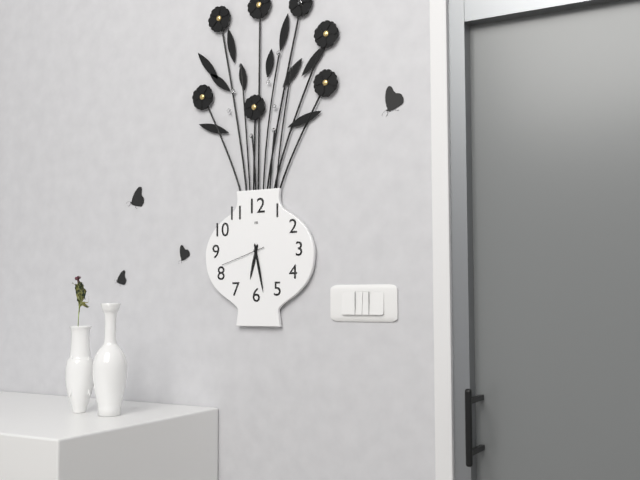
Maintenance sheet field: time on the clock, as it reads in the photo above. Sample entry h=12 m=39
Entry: h=6 m=28
